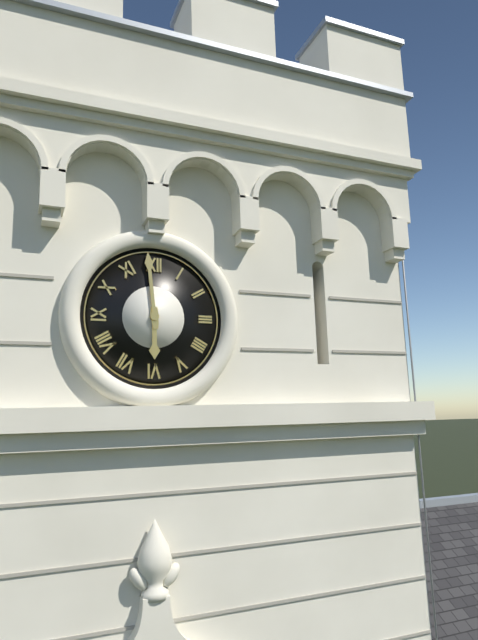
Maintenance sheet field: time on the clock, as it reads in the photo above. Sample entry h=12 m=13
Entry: h=5 m=59
